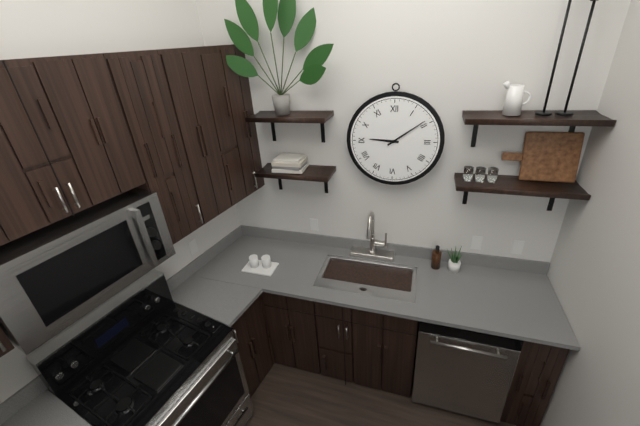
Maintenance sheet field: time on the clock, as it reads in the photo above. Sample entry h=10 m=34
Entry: h=9 m=9
